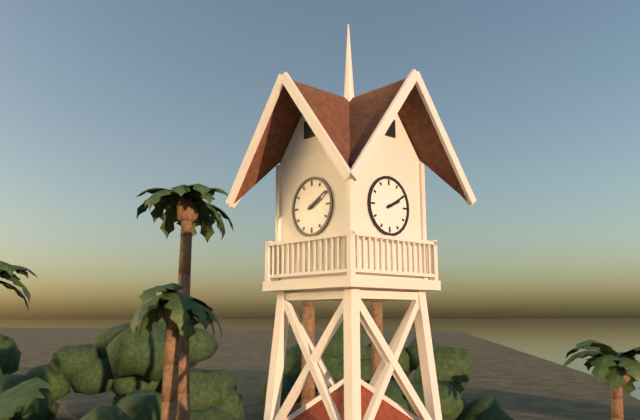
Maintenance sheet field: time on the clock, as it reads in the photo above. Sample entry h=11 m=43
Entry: h=2 m=10
